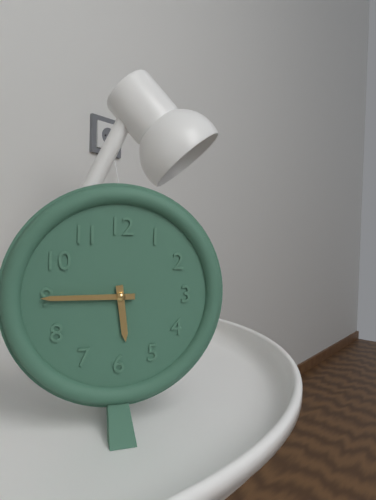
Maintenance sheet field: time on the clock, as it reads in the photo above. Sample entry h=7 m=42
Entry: h=5 m=45
